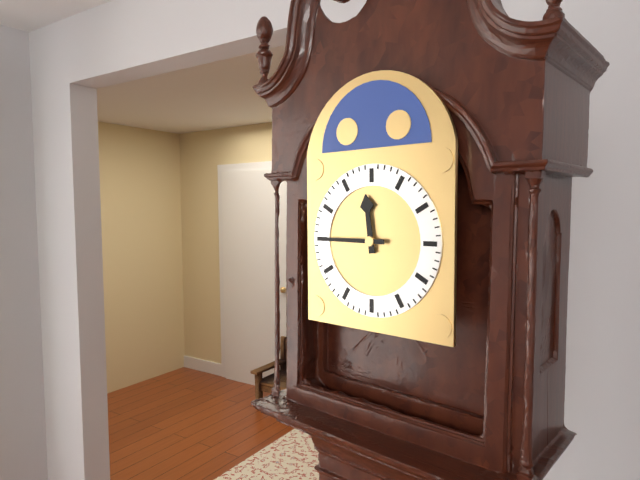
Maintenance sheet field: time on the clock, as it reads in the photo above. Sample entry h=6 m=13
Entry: h=11 m=45
